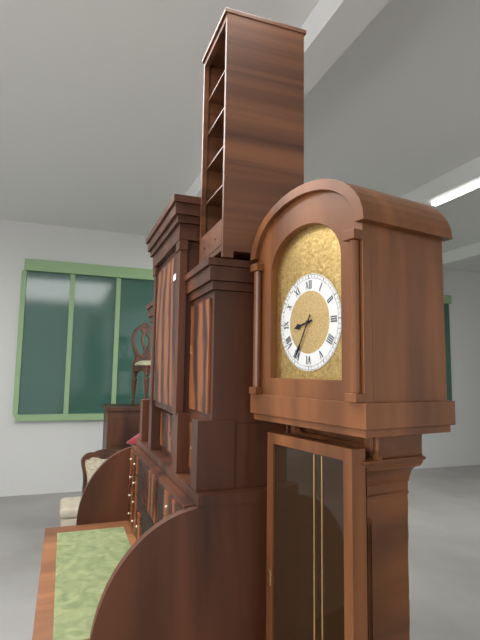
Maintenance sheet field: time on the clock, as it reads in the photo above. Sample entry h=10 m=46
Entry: h=8 m=35
